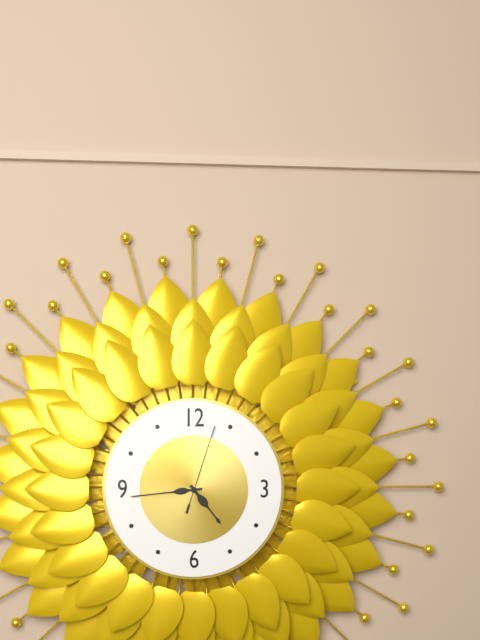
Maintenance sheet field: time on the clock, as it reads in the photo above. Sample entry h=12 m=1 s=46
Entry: h=4 m=44 s=3
